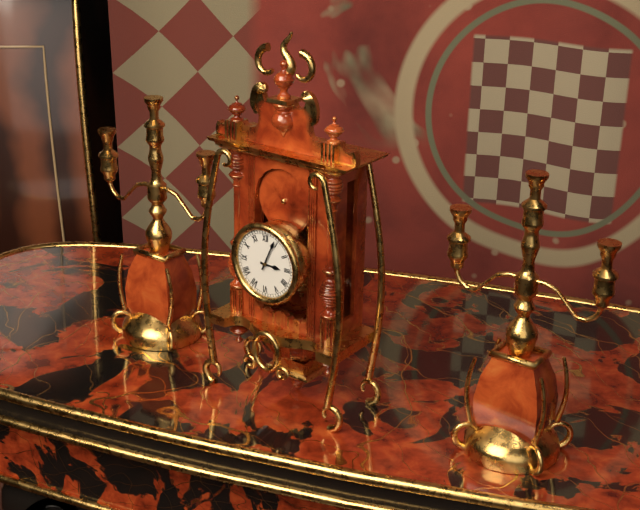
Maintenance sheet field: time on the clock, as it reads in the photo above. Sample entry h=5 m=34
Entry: h=3 m=4
